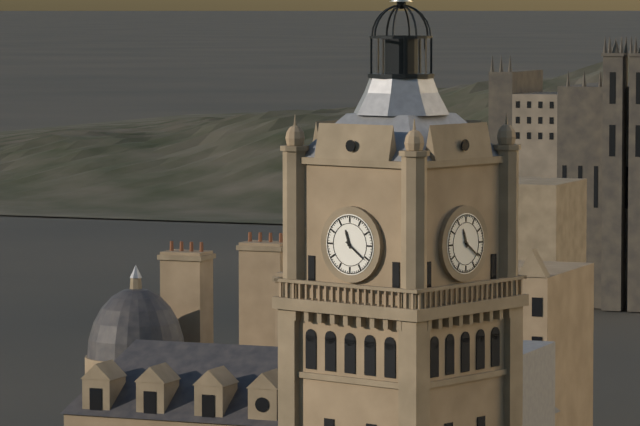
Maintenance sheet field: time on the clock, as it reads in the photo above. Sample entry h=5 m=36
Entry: h=11 m=21
